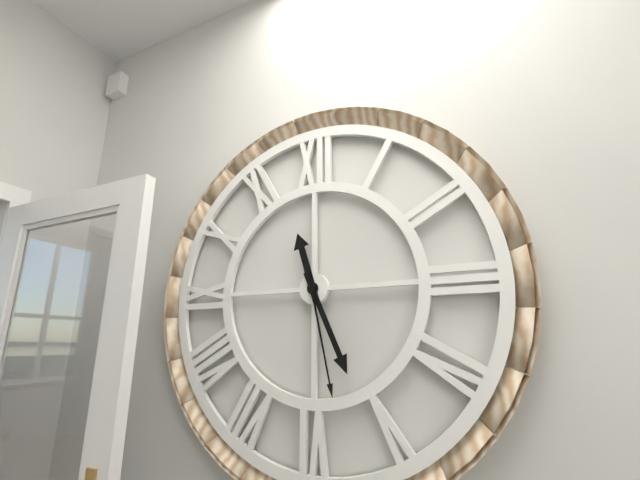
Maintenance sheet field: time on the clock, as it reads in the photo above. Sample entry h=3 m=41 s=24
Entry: h=11 m=26 s=28
